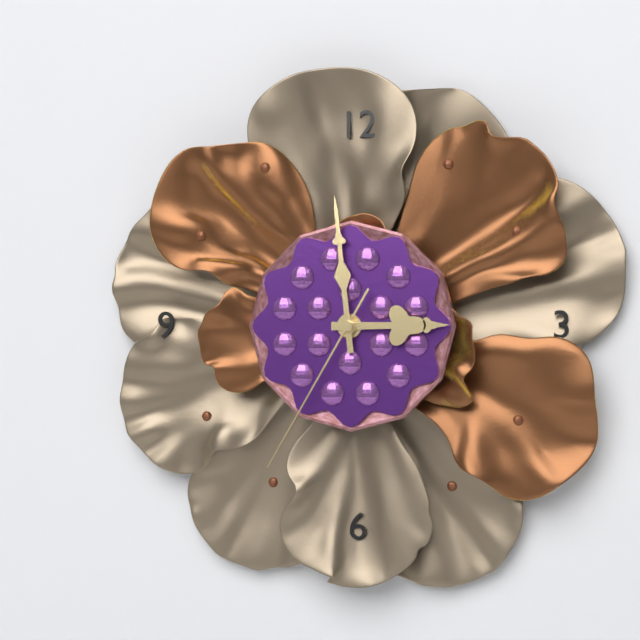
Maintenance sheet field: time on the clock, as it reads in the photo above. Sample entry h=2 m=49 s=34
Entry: h=2 m=59 s=35
